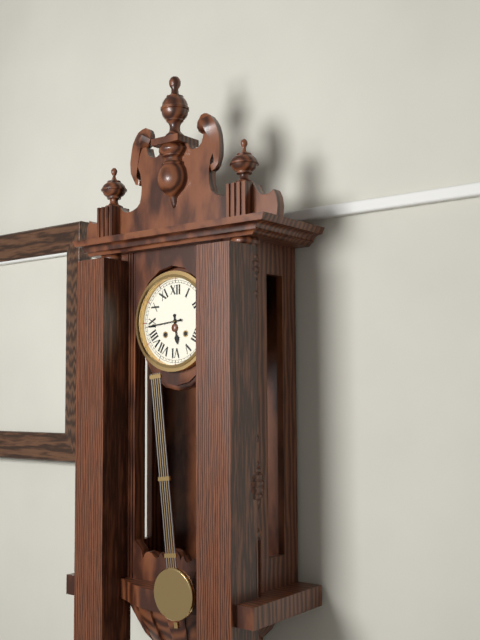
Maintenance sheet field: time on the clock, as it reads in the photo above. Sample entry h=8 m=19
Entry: h=5 m=44
